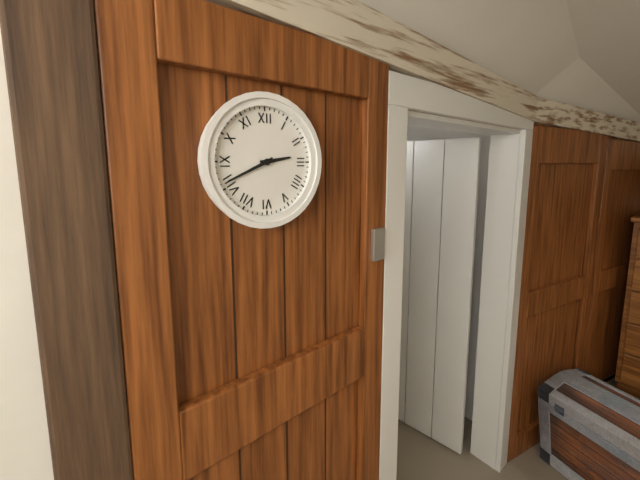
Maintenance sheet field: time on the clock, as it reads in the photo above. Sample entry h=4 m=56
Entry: h=2 m=41
